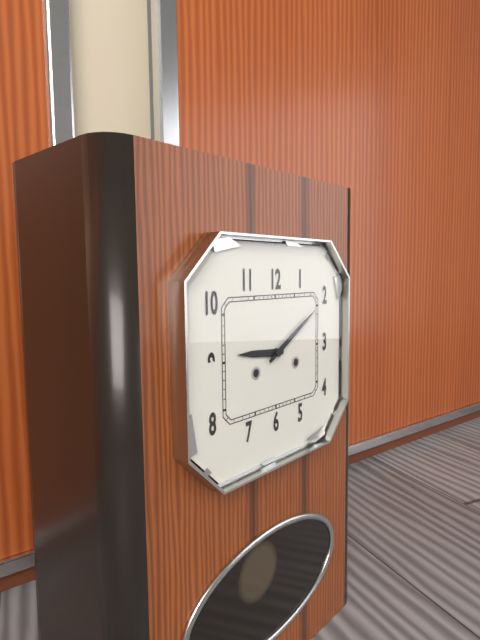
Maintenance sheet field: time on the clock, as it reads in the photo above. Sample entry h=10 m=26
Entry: h=9 m=10
